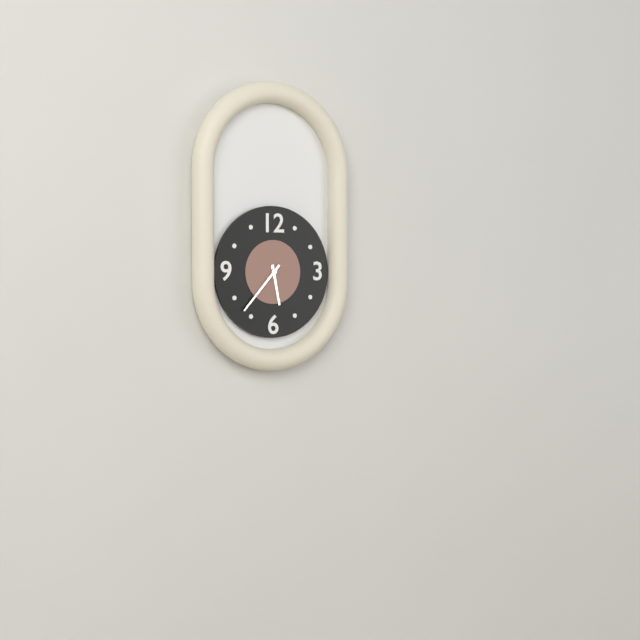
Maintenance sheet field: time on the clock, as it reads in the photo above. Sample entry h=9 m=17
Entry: h=5 m=37
